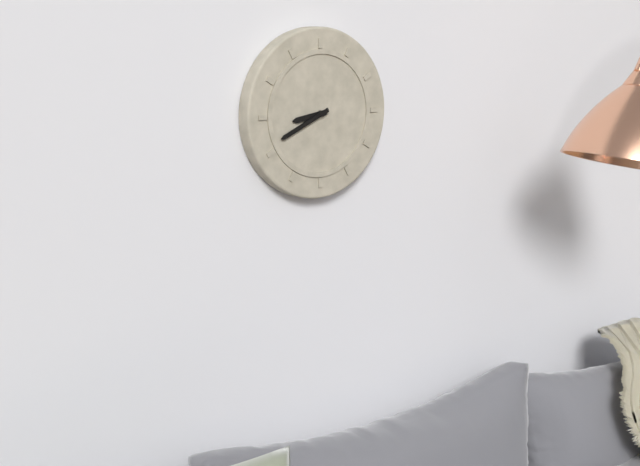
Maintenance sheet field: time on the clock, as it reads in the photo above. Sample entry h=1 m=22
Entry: h=8 m=41
